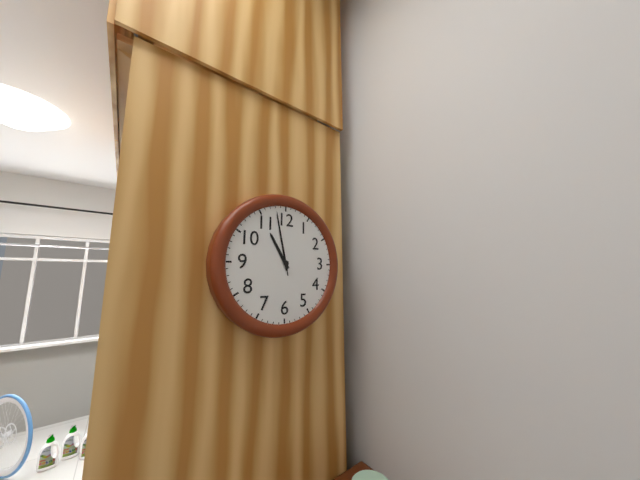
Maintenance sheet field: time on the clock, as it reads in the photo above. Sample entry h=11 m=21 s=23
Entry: h=10 m=58 s=58
